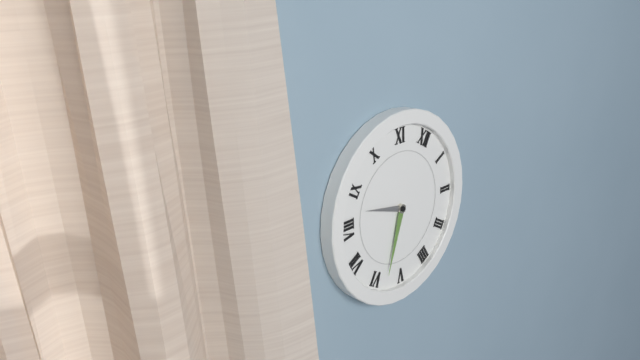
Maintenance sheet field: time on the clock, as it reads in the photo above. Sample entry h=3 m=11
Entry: h=8 m=28
